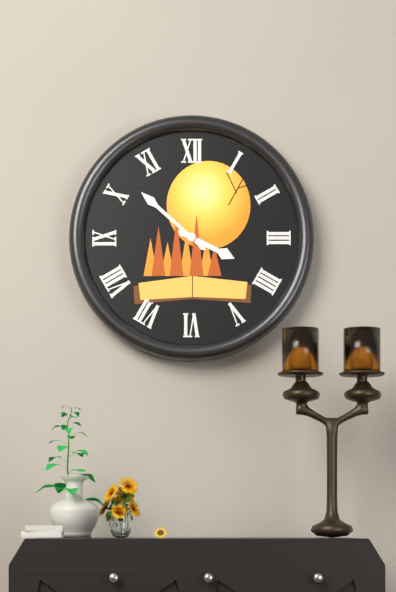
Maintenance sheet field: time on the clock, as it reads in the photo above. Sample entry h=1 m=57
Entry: h=3 m=52
